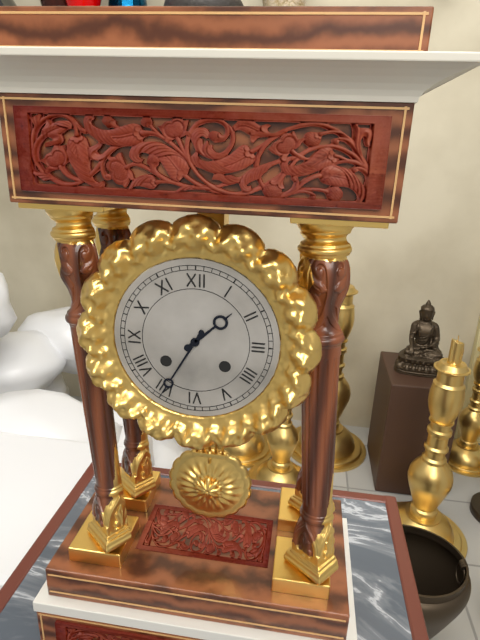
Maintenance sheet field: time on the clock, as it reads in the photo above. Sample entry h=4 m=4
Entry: h=1 m=35
